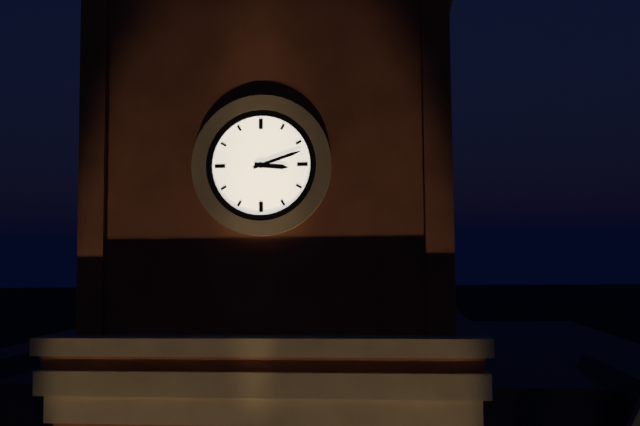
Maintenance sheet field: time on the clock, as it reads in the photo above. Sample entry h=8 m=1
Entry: h=3 m=12
